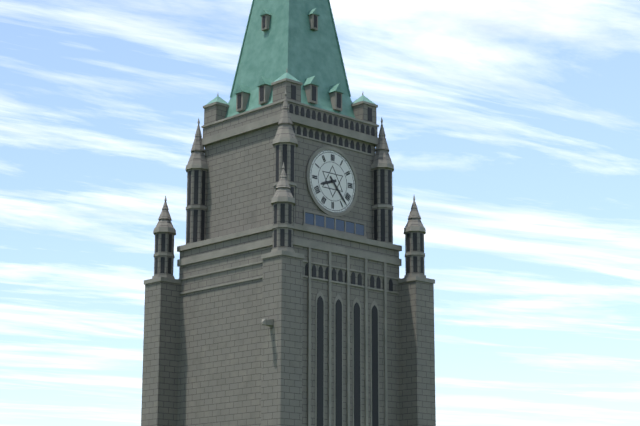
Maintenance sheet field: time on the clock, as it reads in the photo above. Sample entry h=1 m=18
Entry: h=8 m=23
